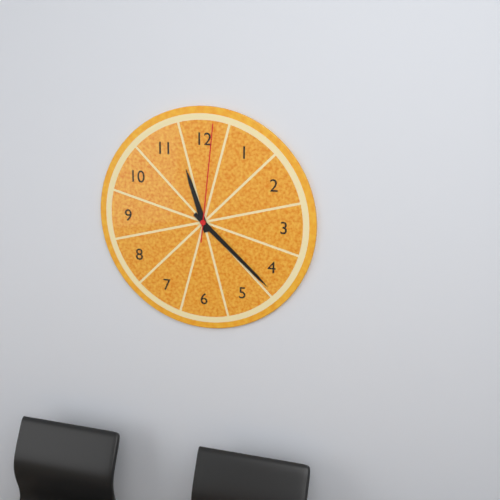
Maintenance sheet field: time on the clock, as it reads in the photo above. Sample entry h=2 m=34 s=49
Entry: h=11 m=22 s=1
